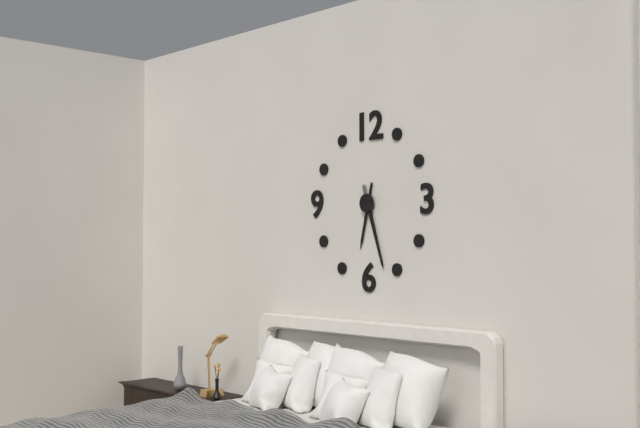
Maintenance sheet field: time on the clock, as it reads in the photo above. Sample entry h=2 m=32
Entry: h=6 m=27
